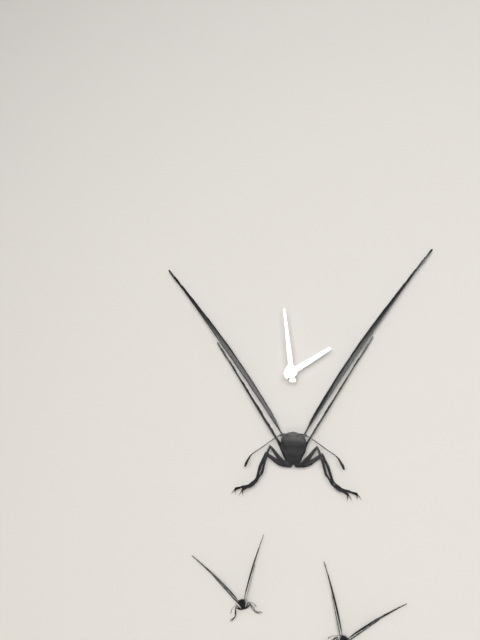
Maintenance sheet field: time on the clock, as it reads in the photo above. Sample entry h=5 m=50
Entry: h=1 m=59
